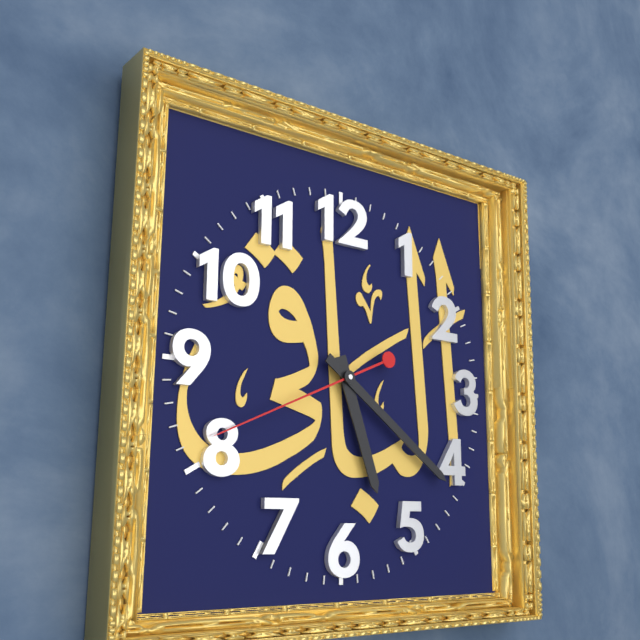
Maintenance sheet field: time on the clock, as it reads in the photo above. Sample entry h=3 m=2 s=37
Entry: h=5 m=21 s=41
